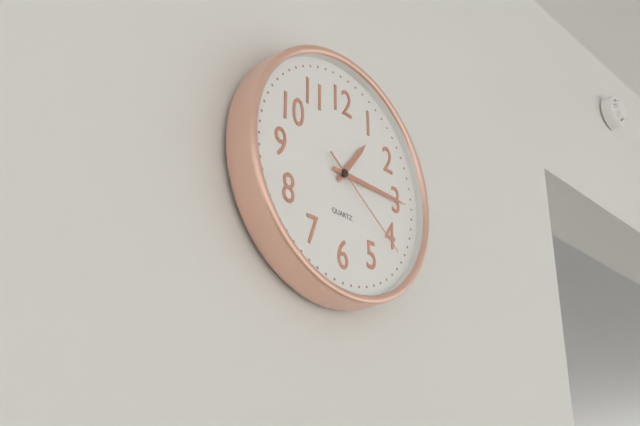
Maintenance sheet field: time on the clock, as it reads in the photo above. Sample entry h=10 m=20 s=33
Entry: h=1 m=15 s=21
